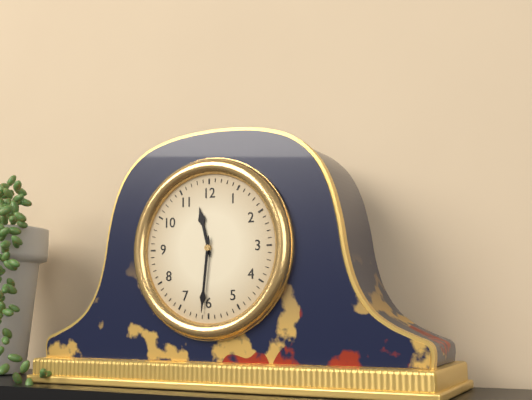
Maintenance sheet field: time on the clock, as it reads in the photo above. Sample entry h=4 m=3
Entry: h=11 m=31
